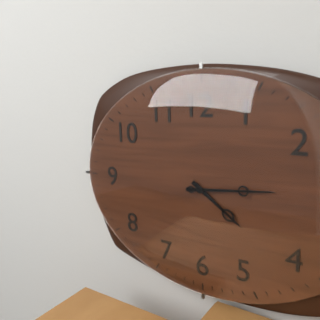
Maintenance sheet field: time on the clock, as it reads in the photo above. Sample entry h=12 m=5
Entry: h=4 m=14
